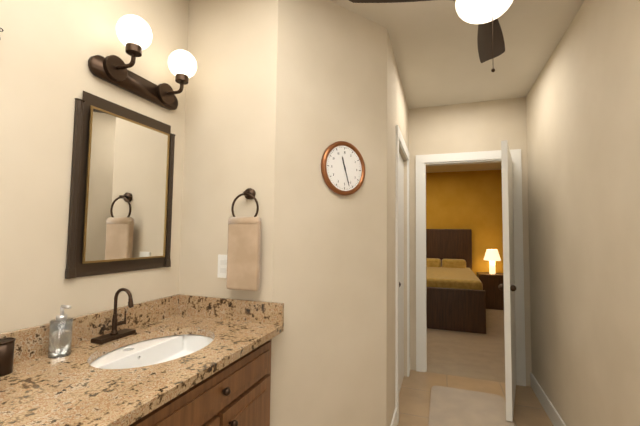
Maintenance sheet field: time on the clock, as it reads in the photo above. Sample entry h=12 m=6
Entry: h=11 m=27
